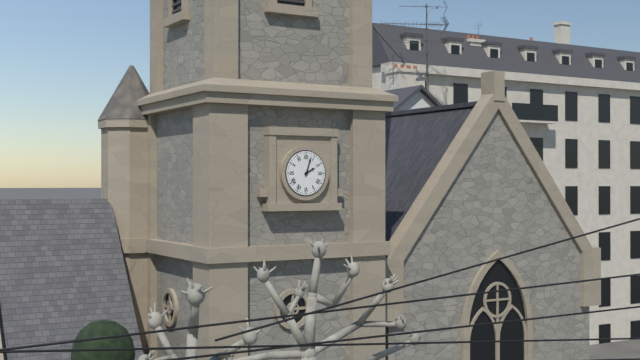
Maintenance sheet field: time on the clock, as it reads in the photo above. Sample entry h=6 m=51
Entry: h=2 m=3
